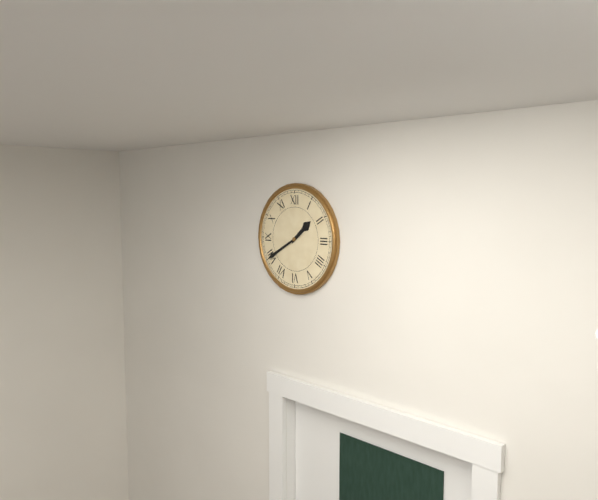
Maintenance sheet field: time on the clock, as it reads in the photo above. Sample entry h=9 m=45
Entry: h=1 m=40
